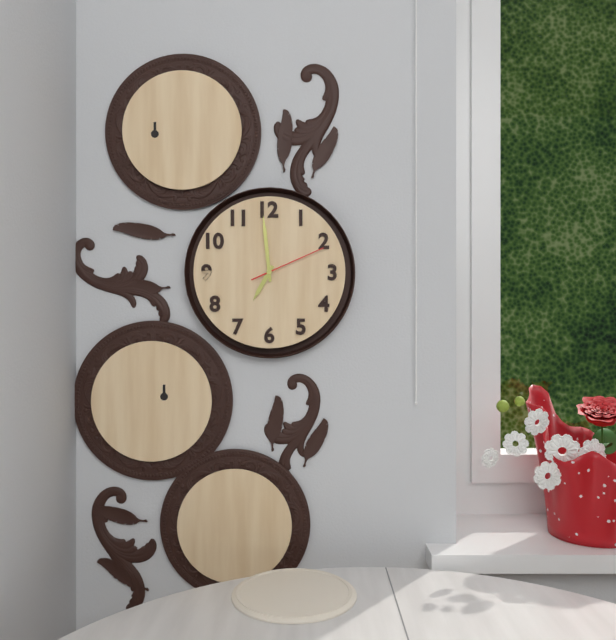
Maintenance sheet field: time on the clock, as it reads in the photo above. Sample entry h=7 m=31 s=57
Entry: h=6 m=59 s=11
